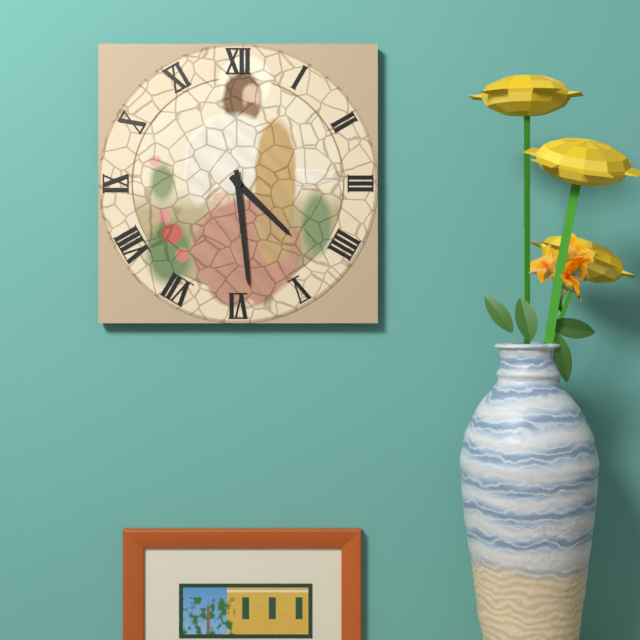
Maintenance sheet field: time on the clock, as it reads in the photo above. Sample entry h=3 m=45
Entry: h=4 m=29
